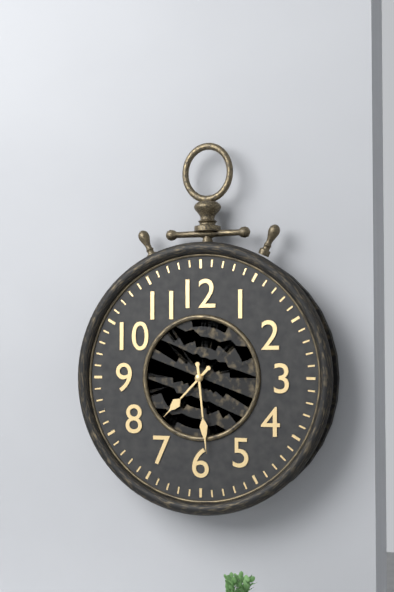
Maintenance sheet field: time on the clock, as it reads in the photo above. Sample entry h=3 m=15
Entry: h=7 m=29
